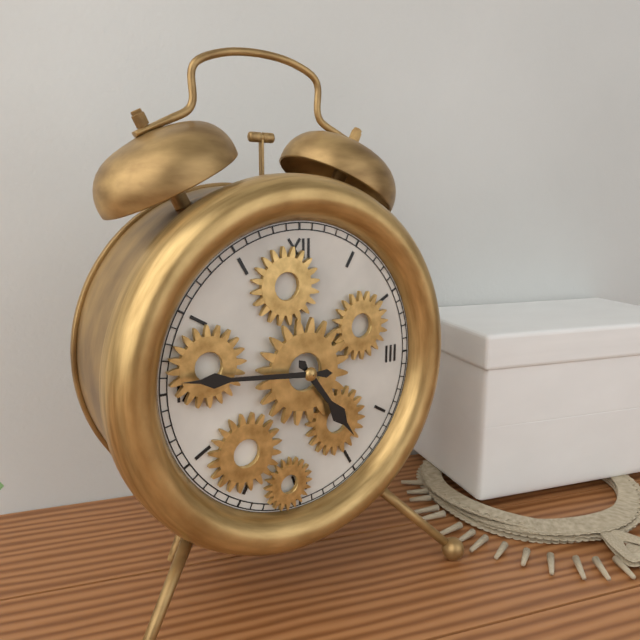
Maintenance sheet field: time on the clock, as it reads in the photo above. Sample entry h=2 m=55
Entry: h=4 m=46
